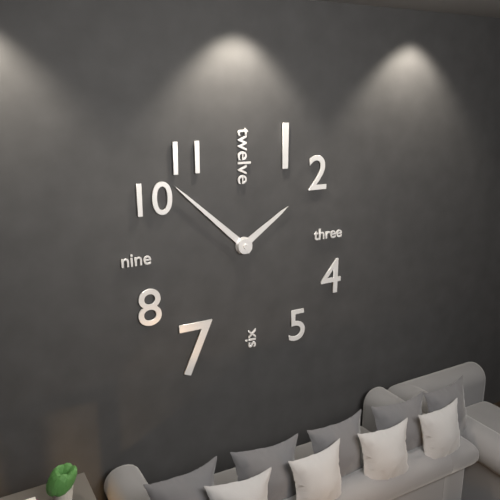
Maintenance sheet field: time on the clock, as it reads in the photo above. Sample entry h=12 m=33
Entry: h=1 m=52
